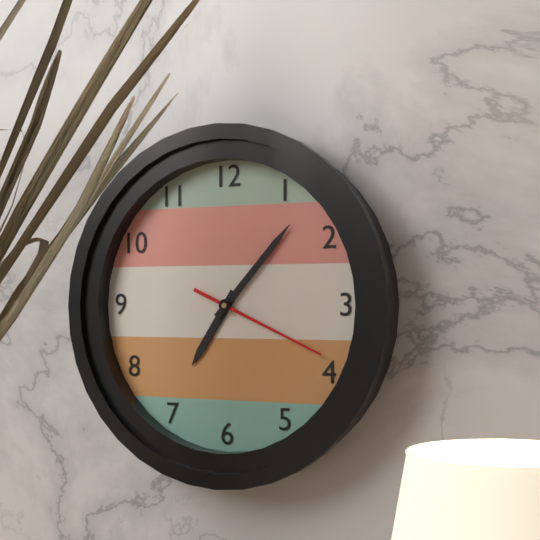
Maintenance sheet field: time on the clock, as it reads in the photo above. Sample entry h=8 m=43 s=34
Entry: h=7 m=7 s=19
